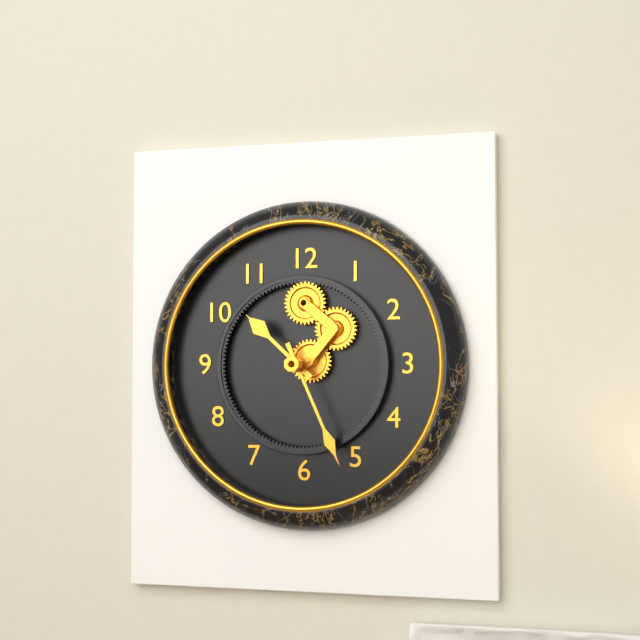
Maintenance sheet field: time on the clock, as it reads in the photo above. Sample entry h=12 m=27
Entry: h=10 m=26
